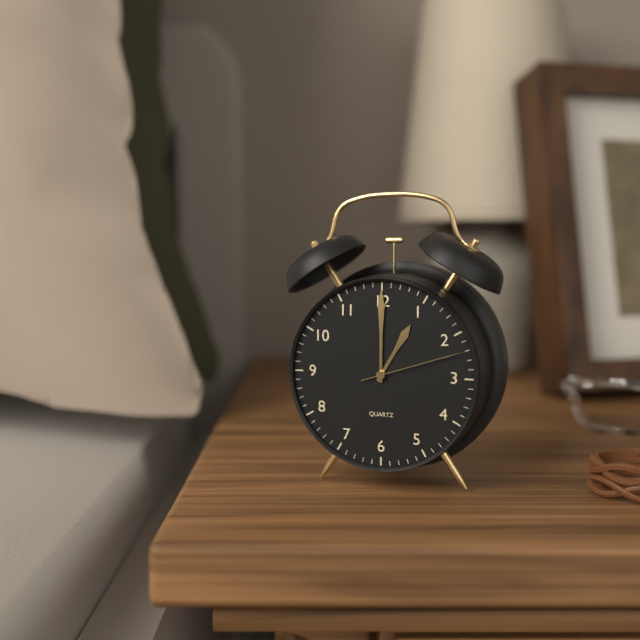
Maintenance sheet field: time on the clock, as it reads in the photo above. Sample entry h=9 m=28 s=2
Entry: h=1 m=0 s=12
